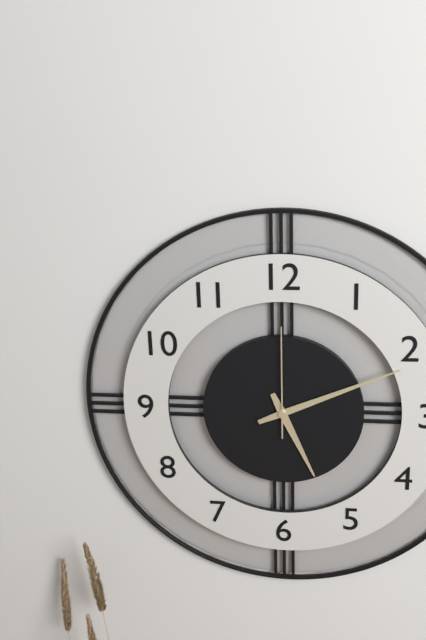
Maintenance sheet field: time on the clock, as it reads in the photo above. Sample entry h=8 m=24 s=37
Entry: h=5 m=11 s=0
